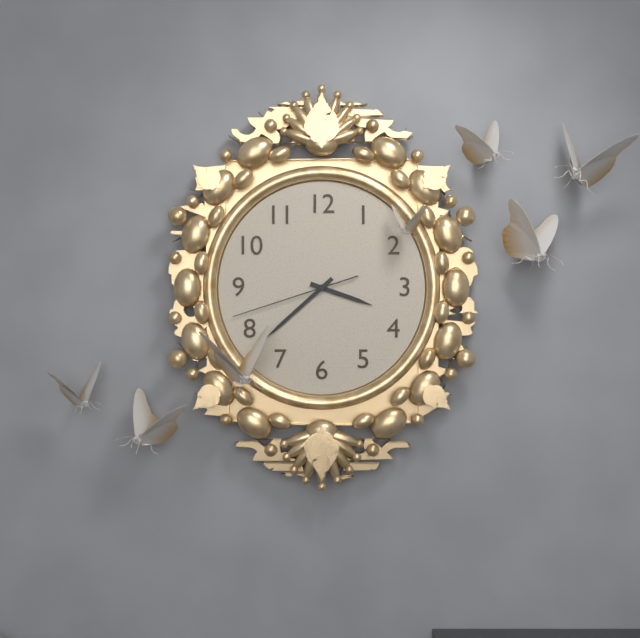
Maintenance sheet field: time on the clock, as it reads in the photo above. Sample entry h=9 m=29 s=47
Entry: h=3 m=38 s=42
